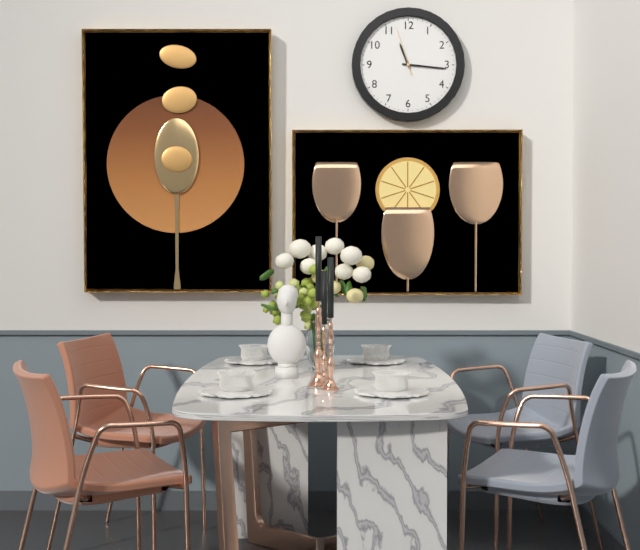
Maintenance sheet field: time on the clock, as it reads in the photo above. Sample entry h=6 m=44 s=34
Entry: h=11 m=16 s=57
